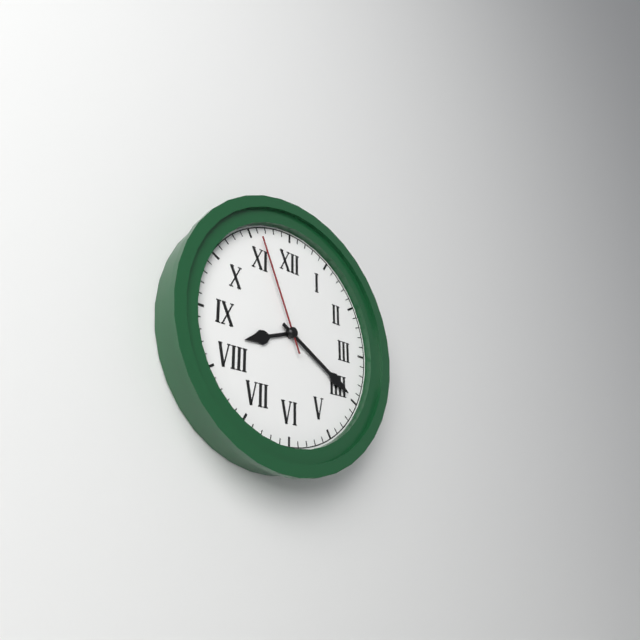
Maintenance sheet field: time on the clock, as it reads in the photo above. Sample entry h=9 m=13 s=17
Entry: h=8 m=20 s=56
